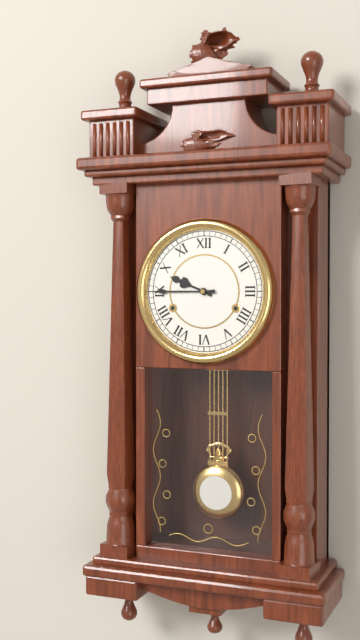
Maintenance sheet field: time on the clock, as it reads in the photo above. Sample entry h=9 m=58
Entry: h=9 m=45
